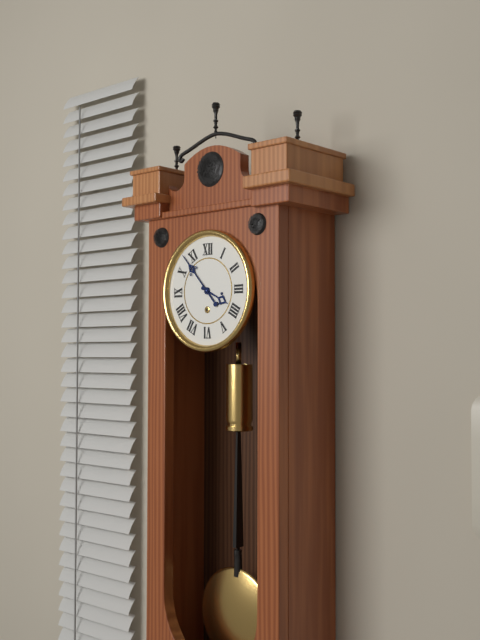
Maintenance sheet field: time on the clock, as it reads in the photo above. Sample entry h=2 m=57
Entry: h=3 m=53
